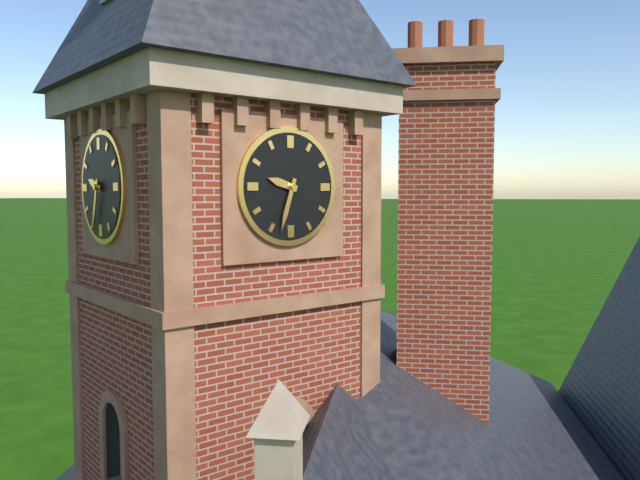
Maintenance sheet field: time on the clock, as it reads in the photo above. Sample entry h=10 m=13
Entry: h=9 m=33
